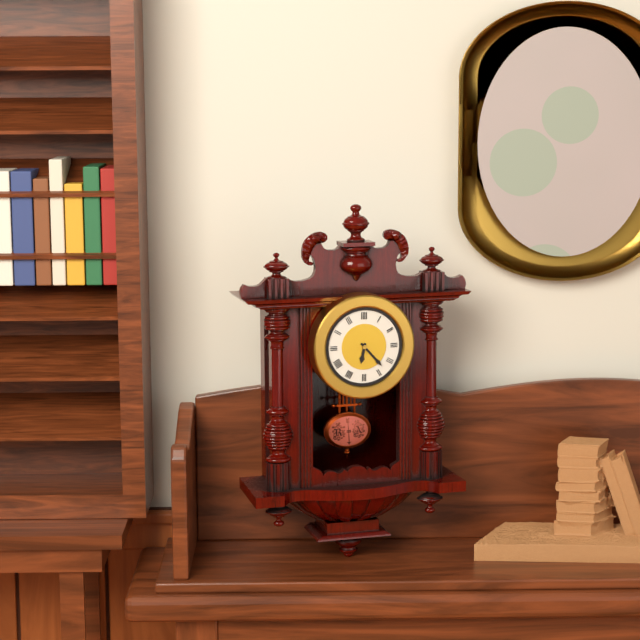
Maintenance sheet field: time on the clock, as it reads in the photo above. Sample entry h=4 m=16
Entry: h=6 m=23
